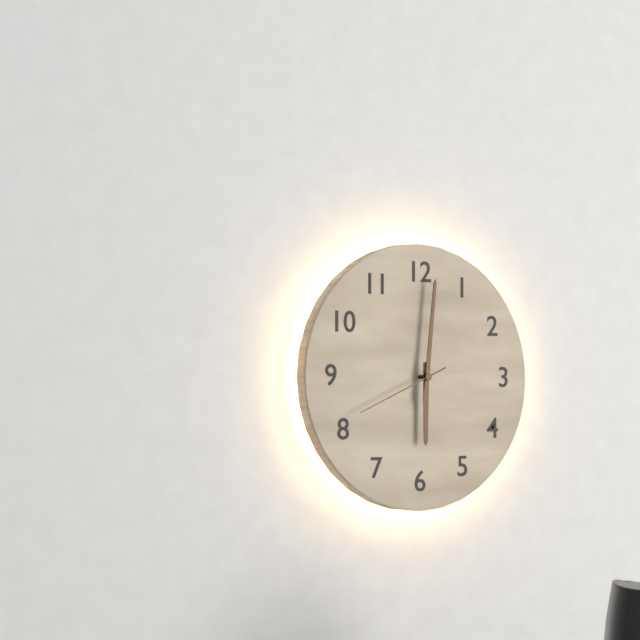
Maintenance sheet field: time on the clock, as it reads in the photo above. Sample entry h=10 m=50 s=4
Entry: h=6 m=1 s=41
